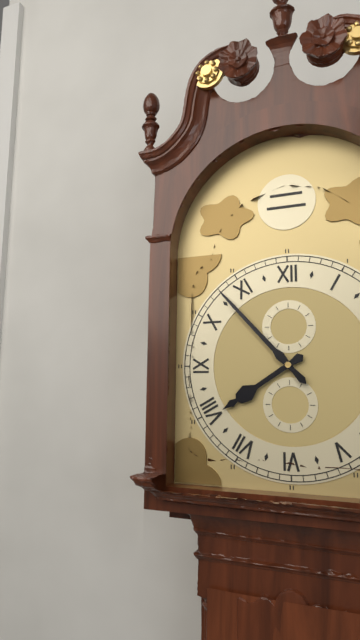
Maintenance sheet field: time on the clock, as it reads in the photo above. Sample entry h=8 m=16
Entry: h=7 m=53
